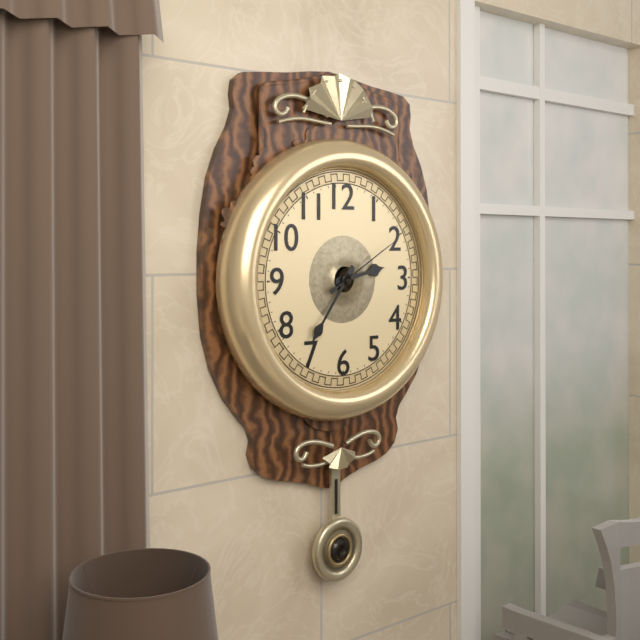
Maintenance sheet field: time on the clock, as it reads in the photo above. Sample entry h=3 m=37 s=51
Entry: h=2 m=36 s=10
